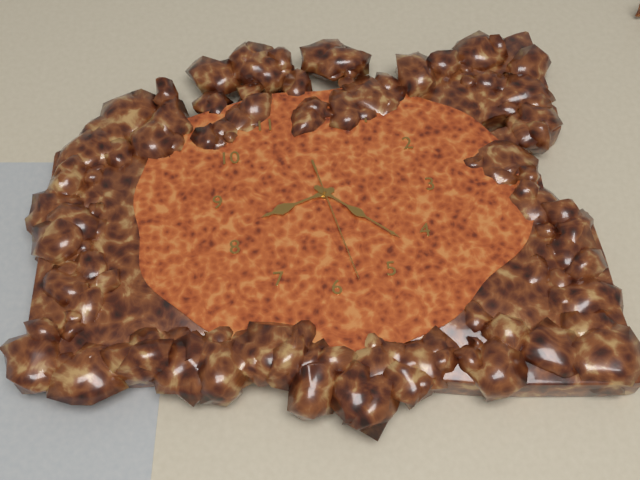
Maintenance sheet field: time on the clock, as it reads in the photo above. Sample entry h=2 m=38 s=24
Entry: h=8 m=22 s=28
